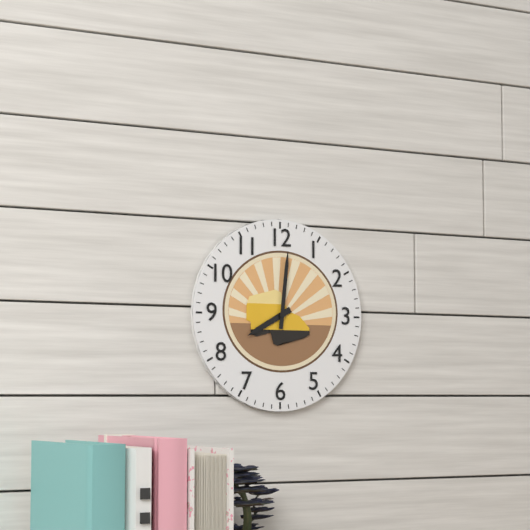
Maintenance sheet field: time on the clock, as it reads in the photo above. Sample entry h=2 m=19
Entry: h=8 m=1
